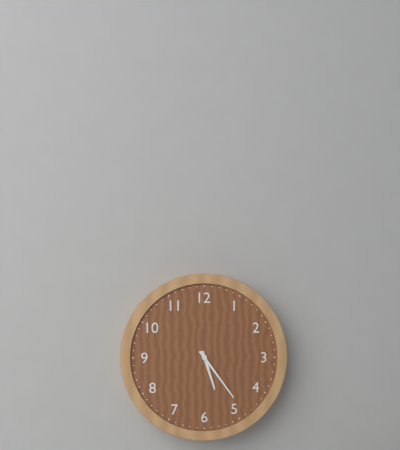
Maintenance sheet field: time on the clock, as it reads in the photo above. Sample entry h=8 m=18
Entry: h=5 m=24
